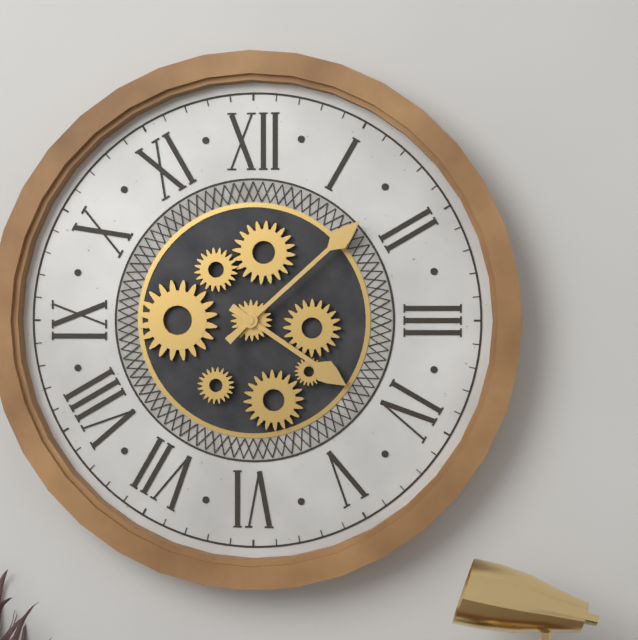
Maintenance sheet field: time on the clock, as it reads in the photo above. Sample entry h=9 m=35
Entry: h=4 m=8
